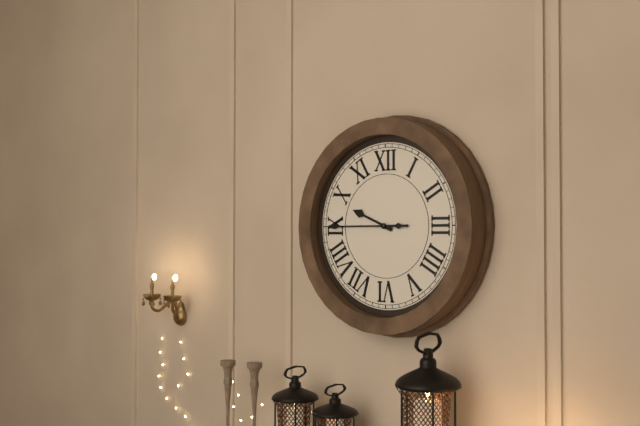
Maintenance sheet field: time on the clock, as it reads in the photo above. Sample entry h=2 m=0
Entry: h=9 m=45
